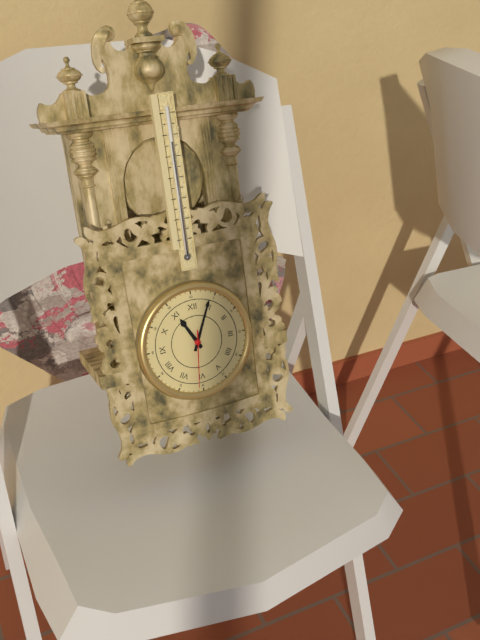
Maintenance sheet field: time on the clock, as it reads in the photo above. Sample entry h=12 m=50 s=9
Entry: h=11 m=4 s=31
